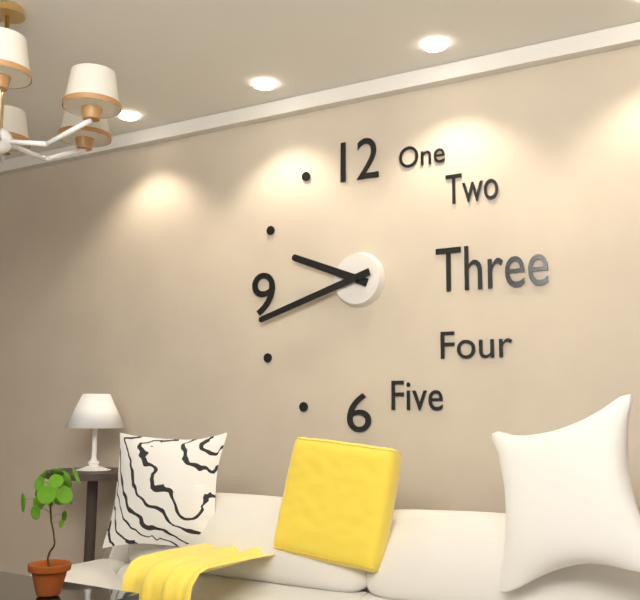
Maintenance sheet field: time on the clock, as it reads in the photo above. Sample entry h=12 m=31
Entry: h=9 m=42
